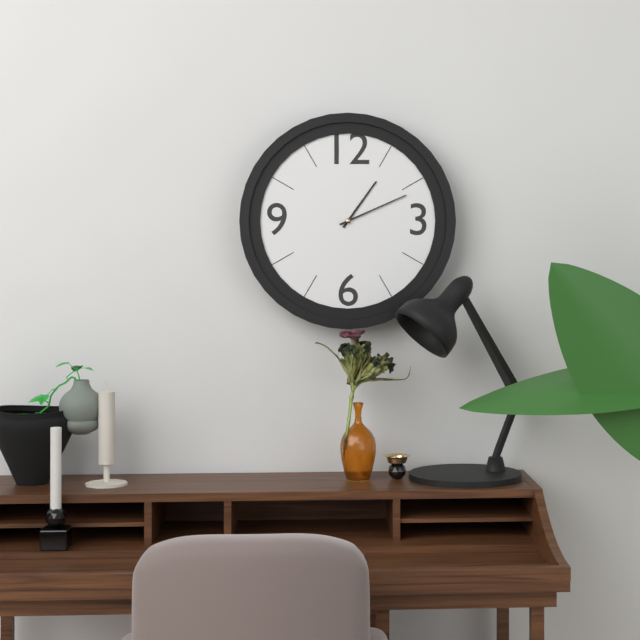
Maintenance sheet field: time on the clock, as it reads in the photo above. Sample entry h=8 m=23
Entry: h=1 m=11
